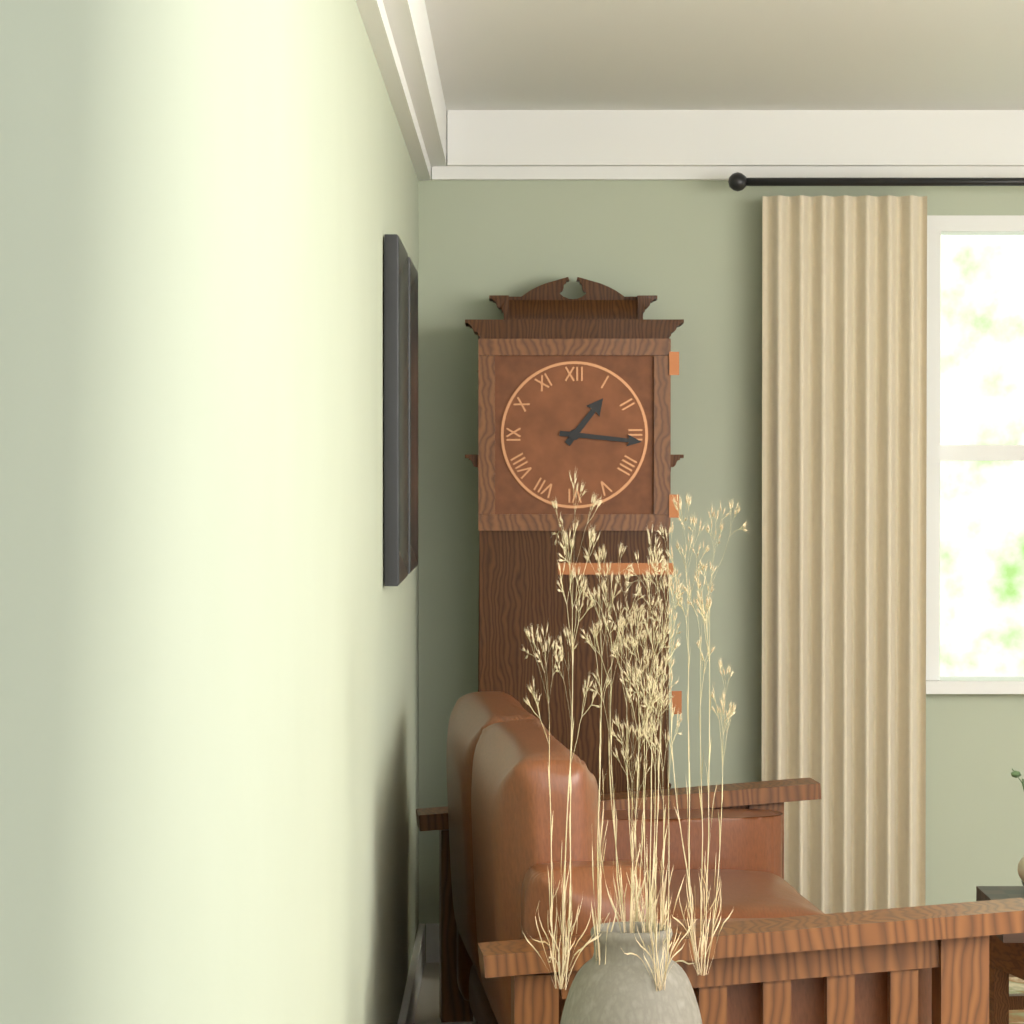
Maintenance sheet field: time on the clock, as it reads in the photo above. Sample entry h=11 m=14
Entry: h=1 m=16
